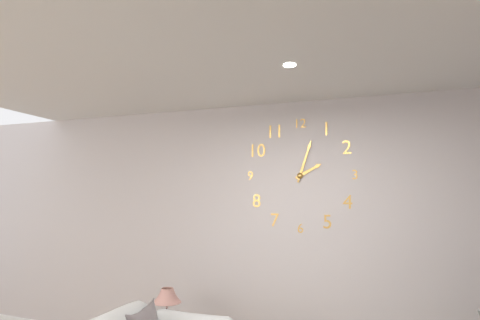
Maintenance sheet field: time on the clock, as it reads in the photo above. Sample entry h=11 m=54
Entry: h=2 m=3
